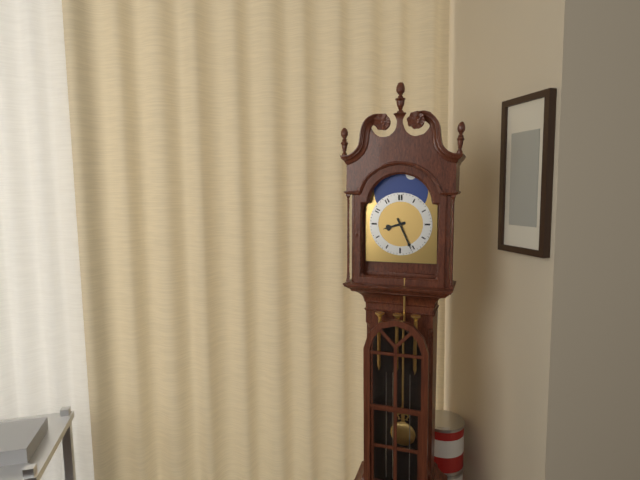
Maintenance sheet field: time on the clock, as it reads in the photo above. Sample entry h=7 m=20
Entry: h=8 m=26
